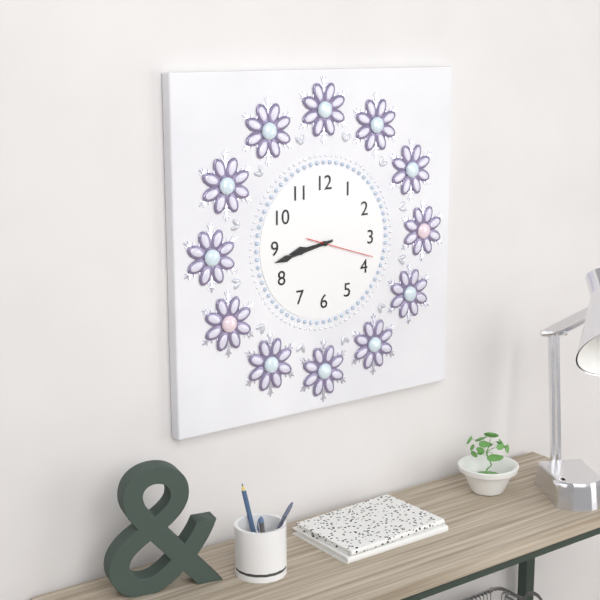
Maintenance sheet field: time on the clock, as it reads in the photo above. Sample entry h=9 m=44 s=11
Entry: h=8 m=43 s=18
